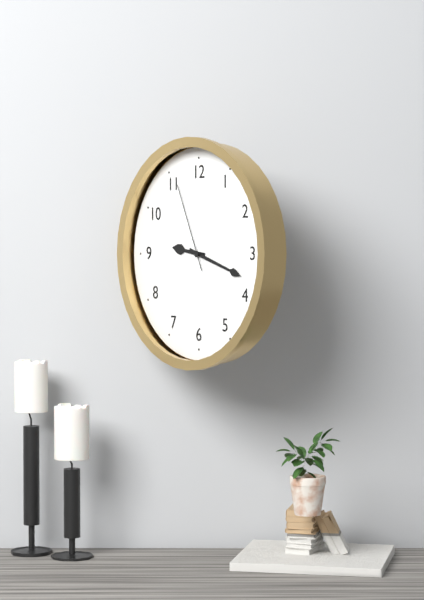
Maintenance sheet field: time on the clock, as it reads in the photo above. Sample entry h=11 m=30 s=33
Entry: h=9 m=18 s=56
